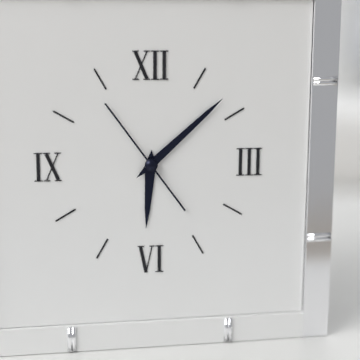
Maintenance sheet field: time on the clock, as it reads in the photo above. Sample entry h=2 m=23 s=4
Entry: h=6 m=8 s=54
